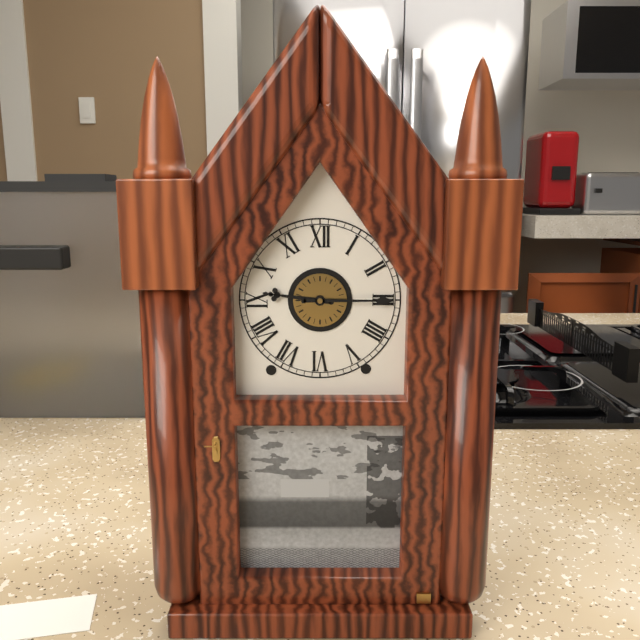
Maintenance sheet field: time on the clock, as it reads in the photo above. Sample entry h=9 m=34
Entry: h=9 m=15
